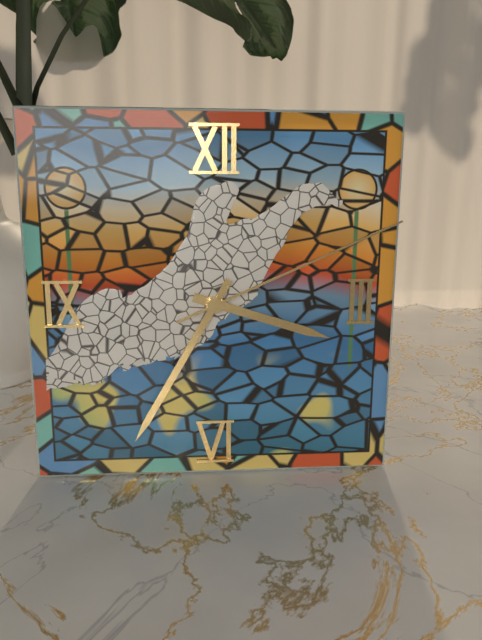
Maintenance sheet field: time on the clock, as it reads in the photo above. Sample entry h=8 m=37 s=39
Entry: h=3 m=35 s=11
